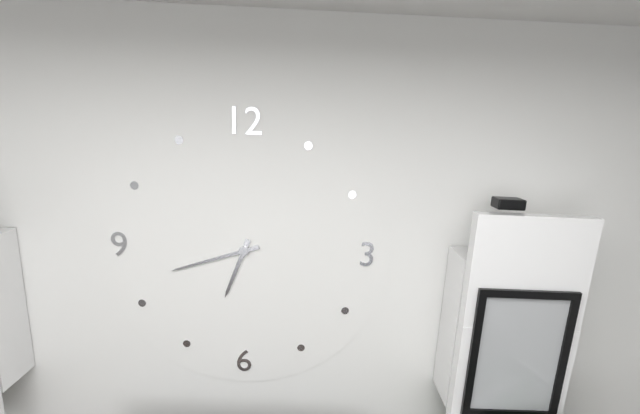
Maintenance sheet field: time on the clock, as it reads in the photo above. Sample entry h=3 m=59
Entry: h=6 m=42
